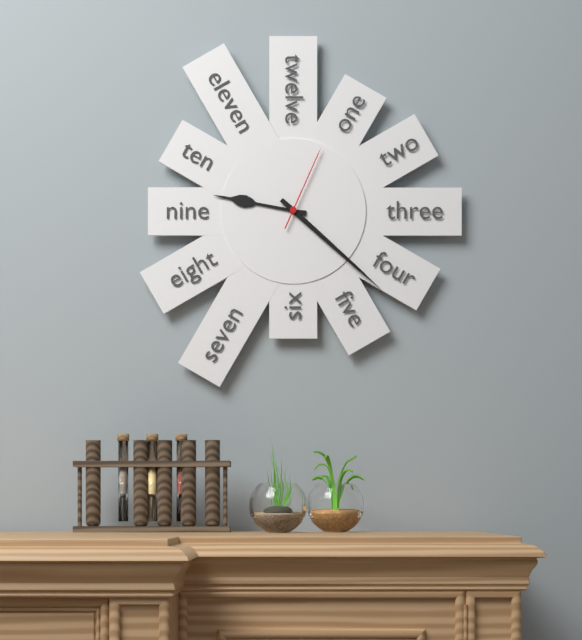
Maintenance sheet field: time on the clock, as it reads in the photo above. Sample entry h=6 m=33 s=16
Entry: h=9 m=22 s=4
